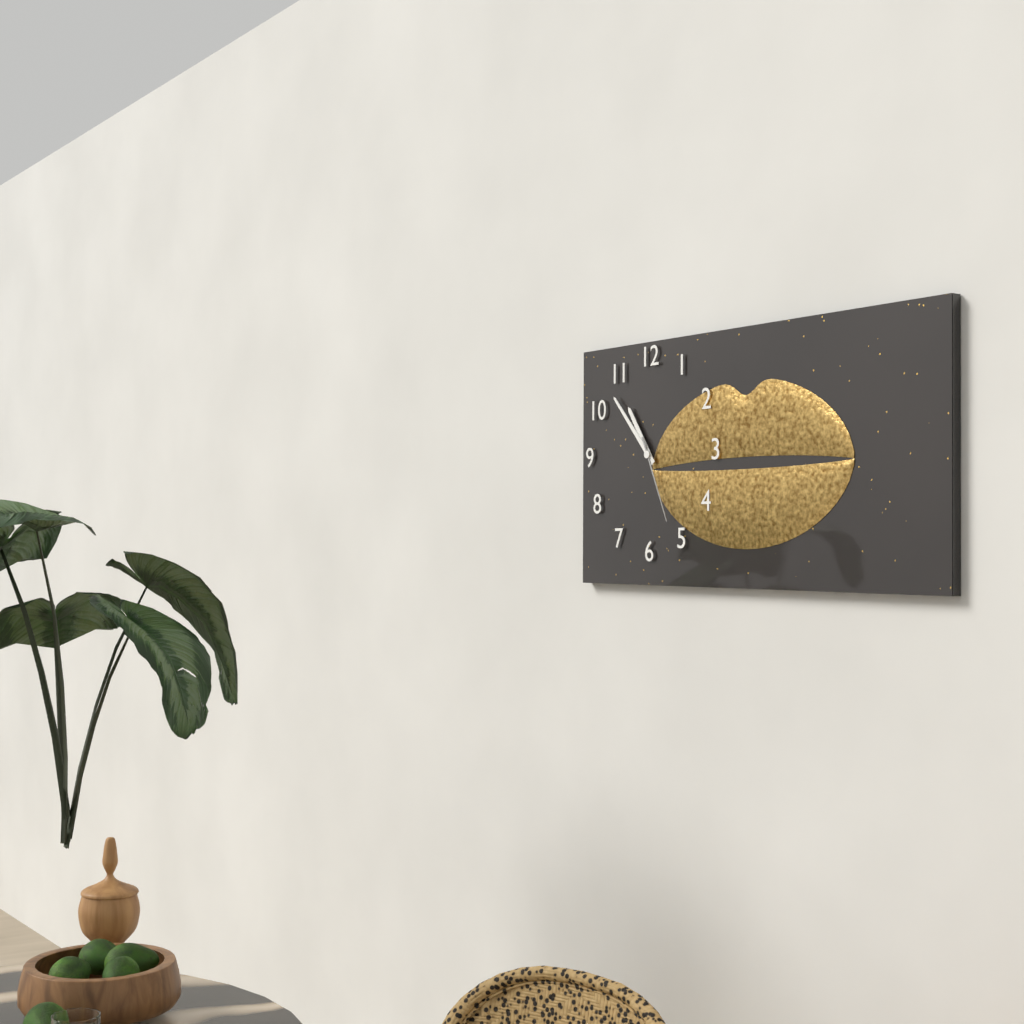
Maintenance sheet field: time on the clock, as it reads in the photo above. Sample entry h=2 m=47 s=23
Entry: h=10 m=53 s=26
